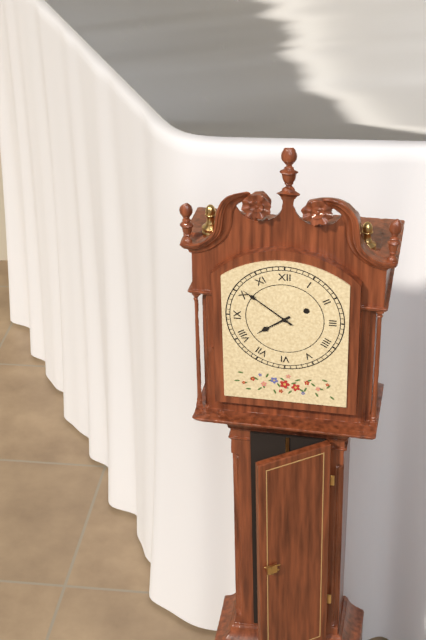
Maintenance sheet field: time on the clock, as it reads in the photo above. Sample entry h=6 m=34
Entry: h=7 m=51
